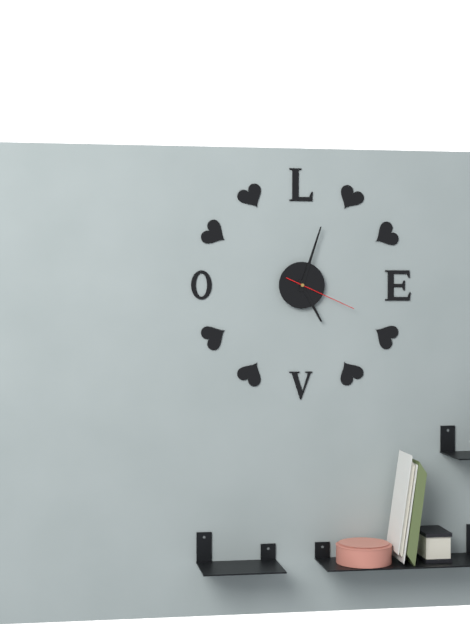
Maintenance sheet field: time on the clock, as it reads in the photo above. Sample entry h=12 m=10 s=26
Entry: h=5 m=3 s=19
